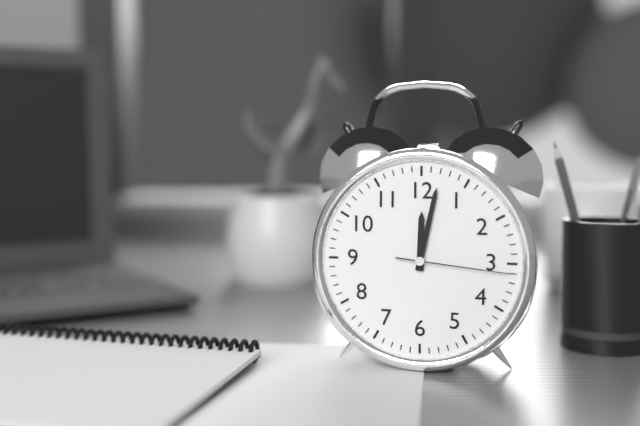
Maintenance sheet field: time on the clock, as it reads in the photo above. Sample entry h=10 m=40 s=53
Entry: h=12 m=2 s=16
